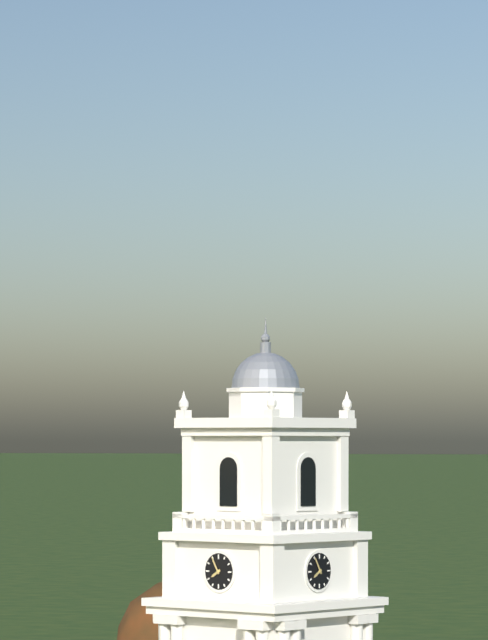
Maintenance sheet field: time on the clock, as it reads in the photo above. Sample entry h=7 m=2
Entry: h=7 m=55
